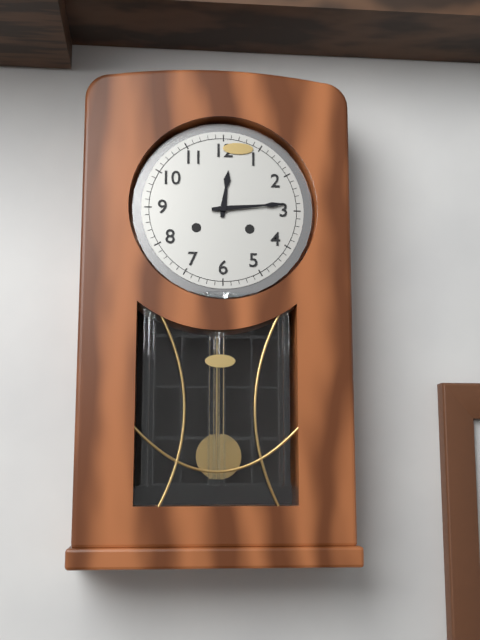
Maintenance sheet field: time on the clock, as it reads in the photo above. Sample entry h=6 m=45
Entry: h=12 m=14
